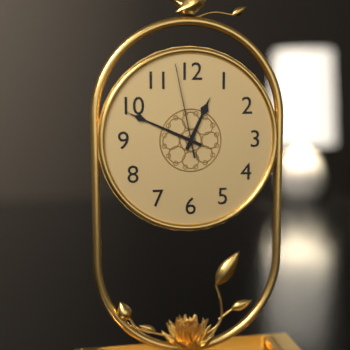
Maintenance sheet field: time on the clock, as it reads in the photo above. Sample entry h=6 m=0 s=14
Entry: h=12 m=49 s=58
